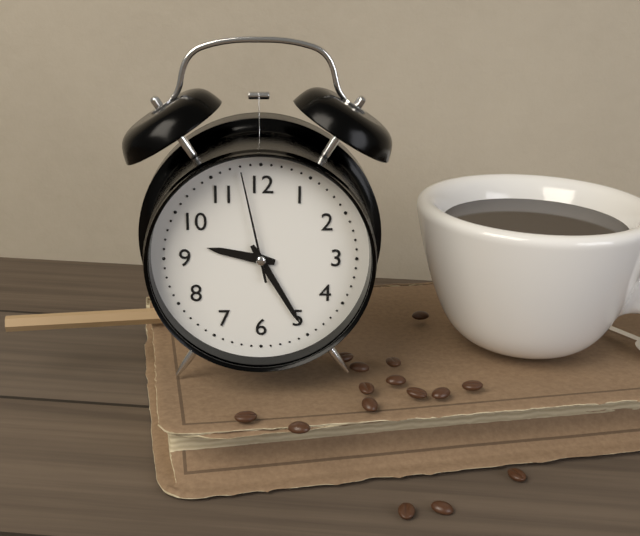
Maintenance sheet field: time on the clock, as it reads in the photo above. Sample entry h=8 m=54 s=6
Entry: h=9 m=25 s=58
